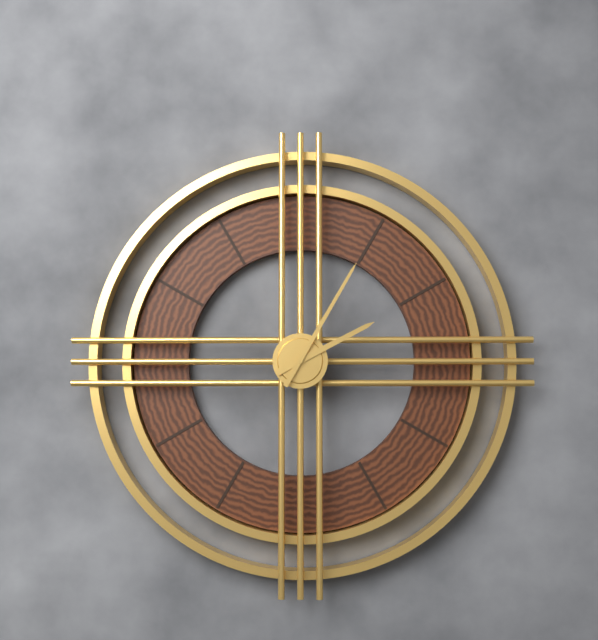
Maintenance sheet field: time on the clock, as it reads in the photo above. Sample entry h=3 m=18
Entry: h=2 m=5
